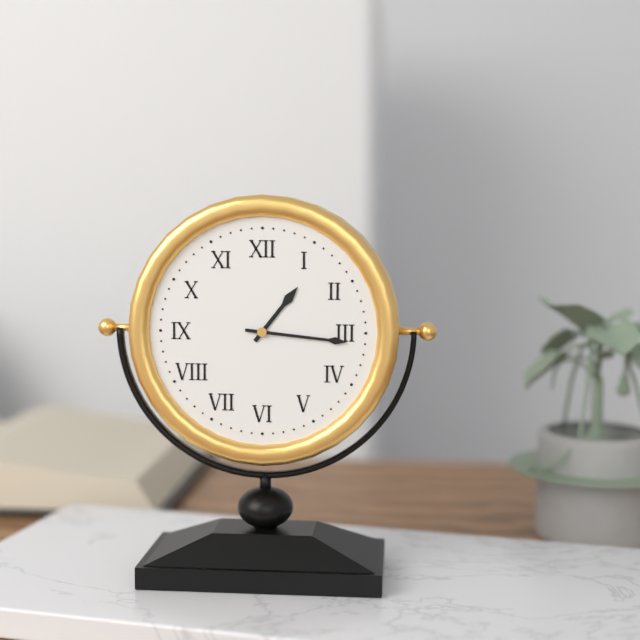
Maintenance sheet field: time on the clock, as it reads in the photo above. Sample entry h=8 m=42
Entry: h=1 m=16
